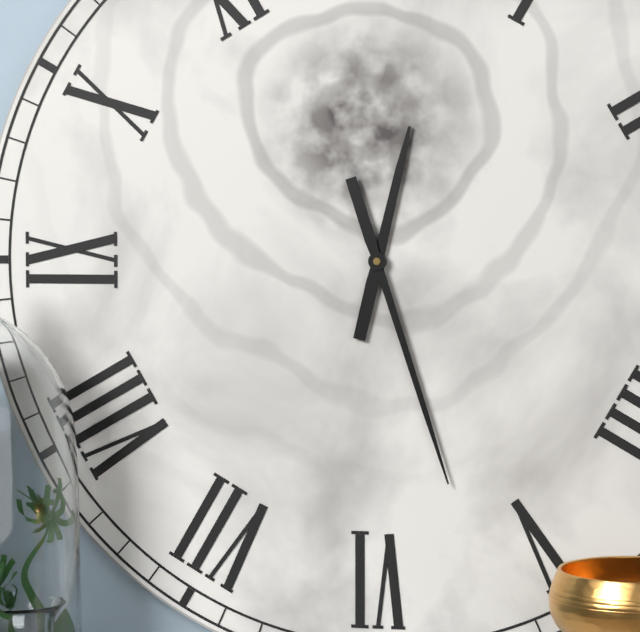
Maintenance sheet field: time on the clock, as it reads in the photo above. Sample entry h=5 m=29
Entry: h=12 m=27
